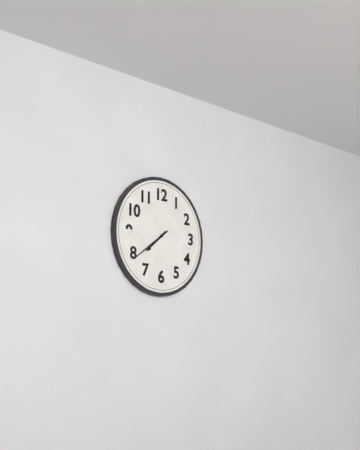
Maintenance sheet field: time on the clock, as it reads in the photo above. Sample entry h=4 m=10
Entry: h=7 m=39
